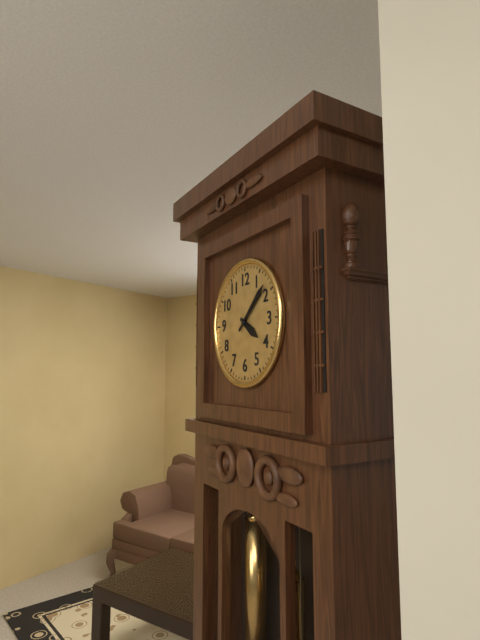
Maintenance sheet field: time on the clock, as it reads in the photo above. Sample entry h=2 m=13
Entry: h=4 m=8
